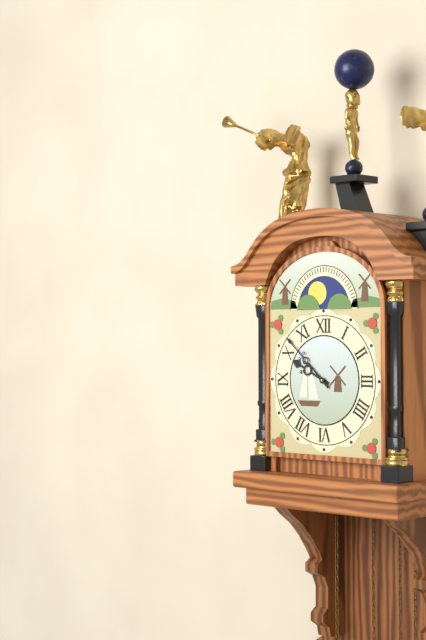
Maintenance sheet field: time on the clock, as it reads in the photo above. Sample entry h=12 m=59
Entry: h=9 m=52
